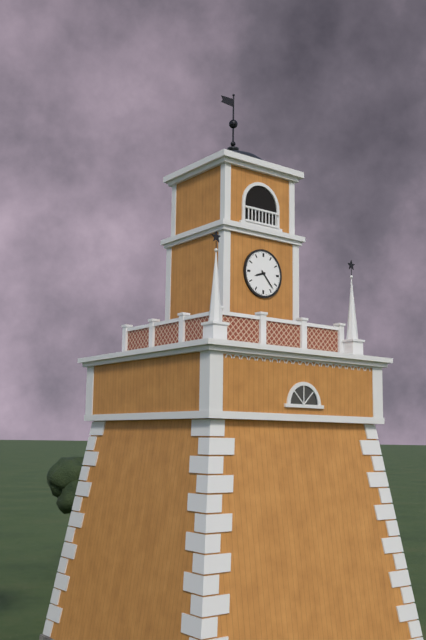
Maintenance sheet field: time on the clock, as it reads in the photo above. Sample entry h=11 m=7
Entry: h=8 m=23
